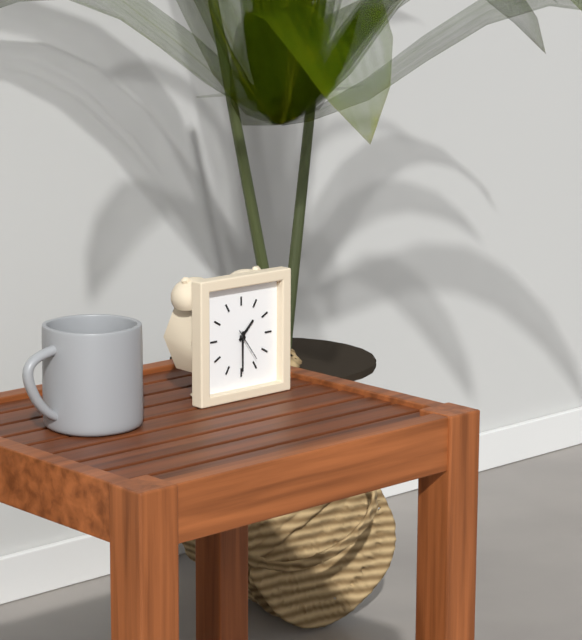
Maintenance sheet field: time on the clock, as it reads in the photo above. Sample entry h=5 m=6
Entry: h=1 m=30
